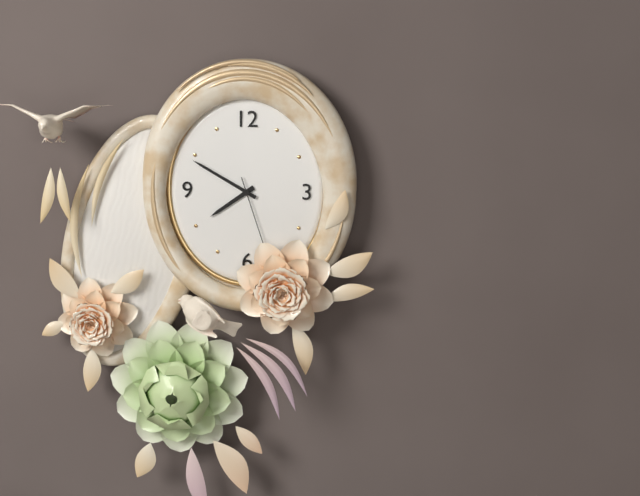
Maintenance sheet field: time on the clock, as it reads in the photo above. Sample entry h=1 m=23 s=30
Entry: h=7 m=50 s=27
